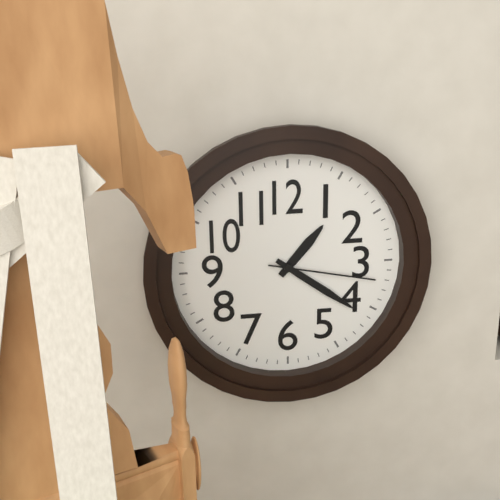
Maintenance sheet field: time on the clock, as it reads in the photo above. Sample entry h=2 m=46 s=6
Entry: h=1 m=21 s=17
